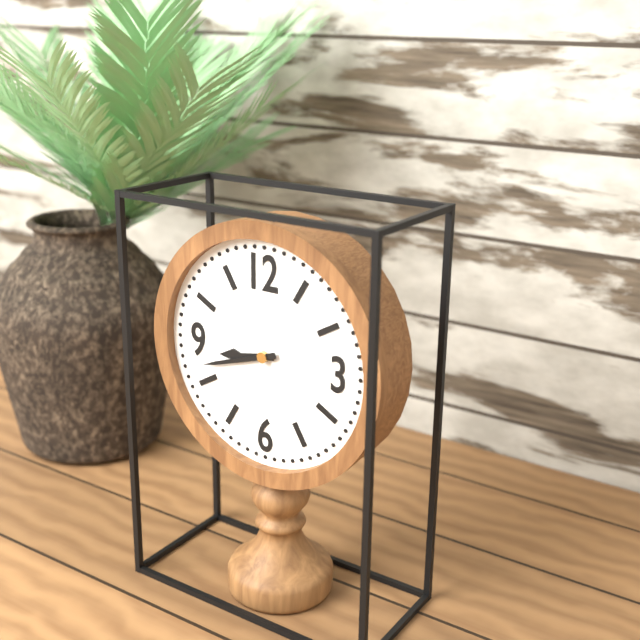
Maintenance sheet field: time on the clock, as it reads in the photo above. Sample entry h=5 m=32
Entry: h=8 m=42
